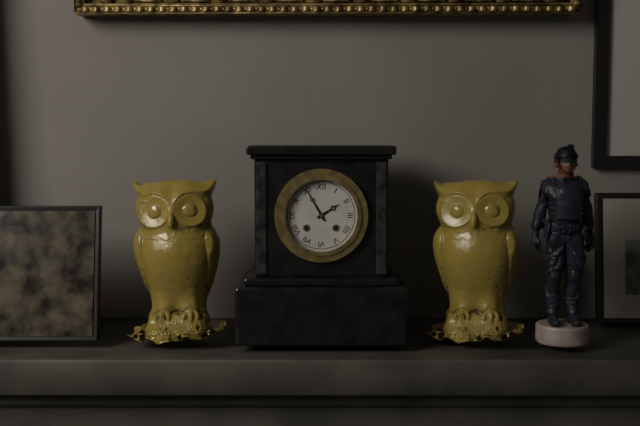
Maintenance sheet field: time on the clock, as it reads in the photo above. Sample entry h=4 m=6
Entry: h=1 m=55
